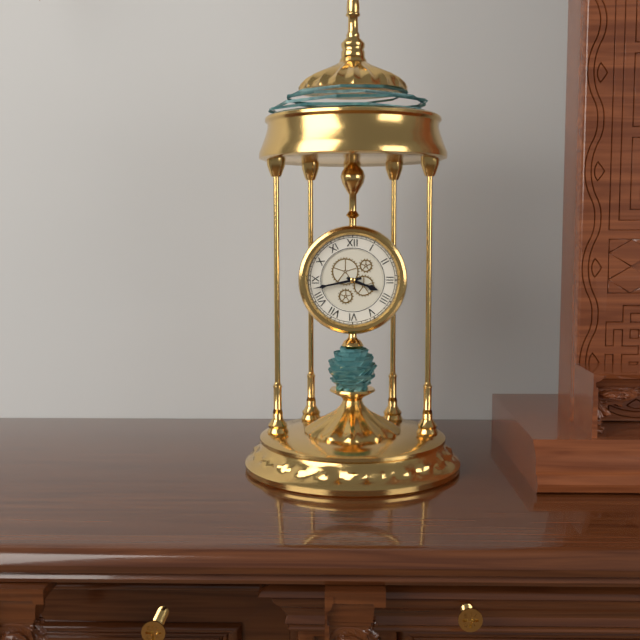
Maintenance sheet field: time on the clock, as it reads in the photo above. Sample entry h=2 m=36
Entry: h=3 m=43
